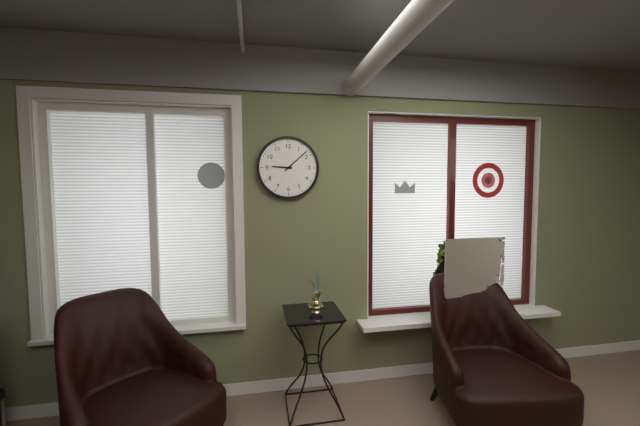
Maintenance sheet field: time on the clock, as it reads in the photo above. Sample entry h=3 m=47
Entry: h=9 m=8
